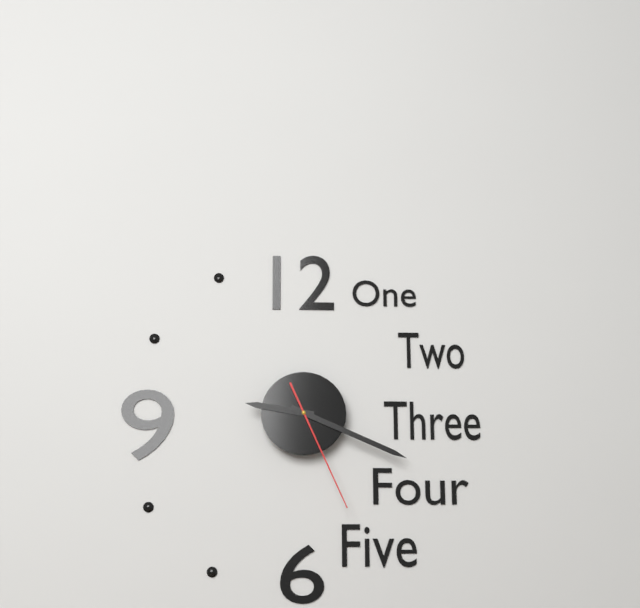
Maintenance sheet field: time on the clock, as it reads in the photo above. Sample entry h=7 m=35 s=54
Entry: h=9 m=19 s=26
